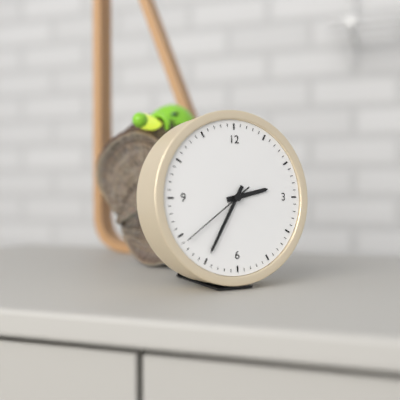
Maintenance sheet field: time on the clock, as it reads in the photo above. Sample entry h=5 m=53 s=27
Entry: h=2 m=35 s=39
